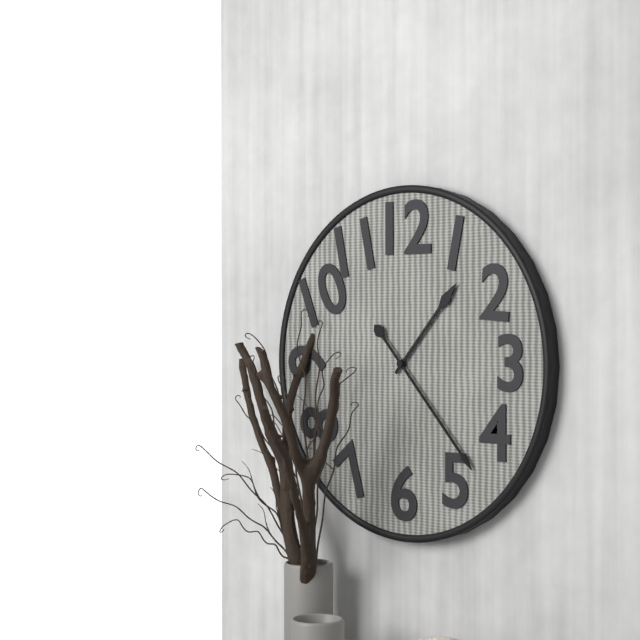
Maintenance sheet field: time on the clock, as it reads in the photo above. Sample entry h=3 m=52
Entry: h=1 m=23
